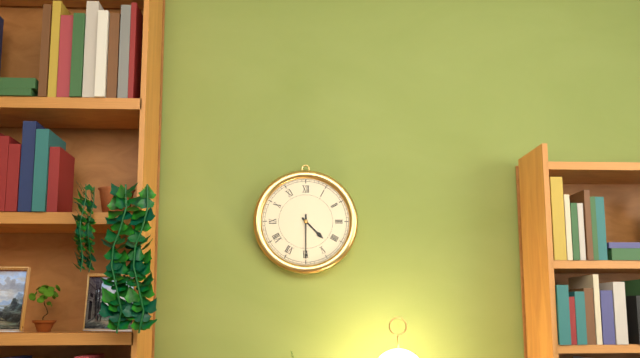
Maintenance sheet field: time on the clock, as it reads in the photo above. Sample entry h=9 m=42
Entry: h=4 m=30
